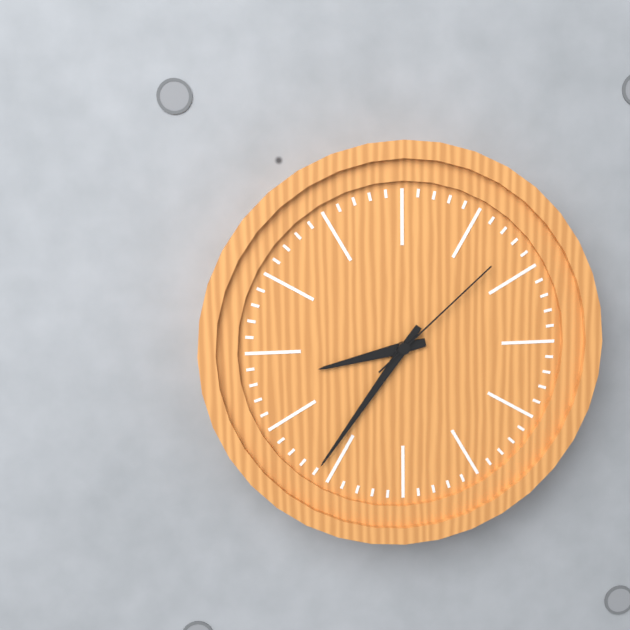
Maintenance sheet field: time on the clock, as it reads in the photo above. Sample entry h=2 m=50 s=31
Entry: h=8 m=36 s=8
